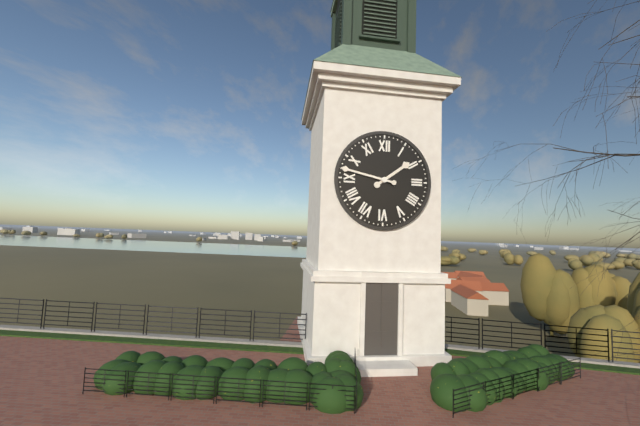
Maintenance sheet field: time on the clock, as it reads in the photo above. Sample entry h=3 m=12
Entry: h=1 m=47
